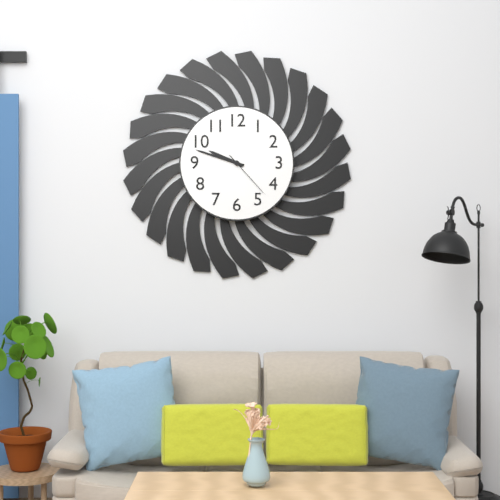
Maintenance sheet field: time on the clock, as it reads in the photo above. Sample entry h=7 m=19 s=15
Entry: h=9 m=48 s=23
